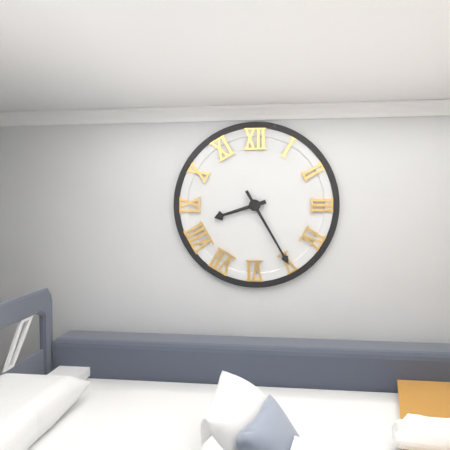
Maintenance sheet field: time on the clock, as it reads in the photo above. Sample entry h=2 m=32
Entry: h=8 m=25
